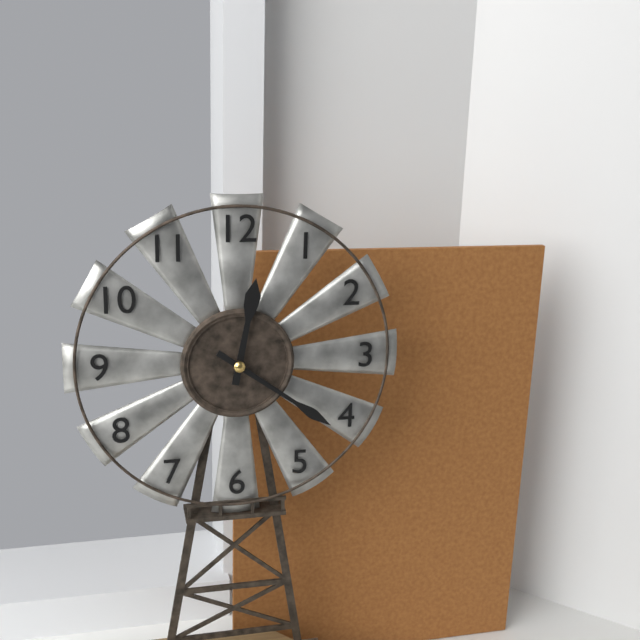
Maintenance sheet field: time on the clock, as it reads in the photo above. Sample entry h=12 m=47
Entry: h=12 m=21
